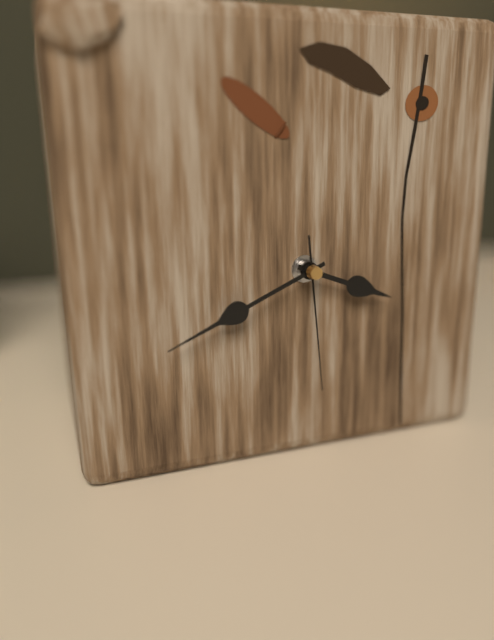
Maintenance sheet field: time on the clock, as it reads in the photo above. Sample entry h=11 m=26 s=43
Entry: h=3 m=41 s=29
